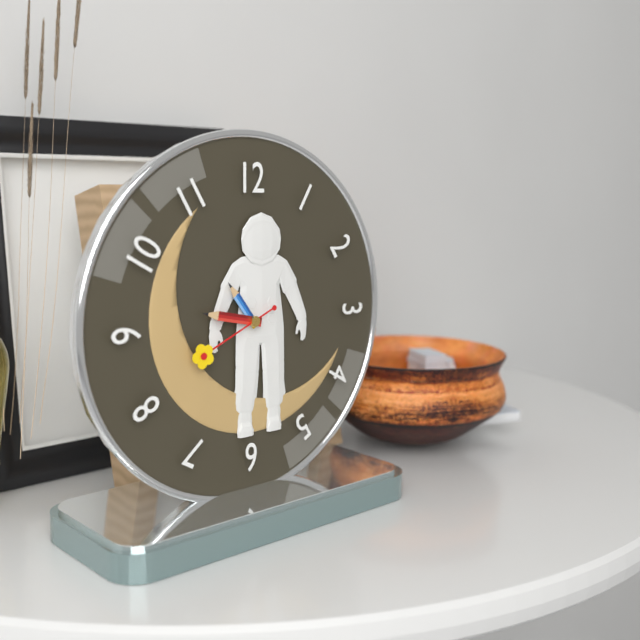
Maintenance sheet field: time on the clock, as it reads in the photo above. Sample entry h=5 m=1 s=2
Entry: h=10 m=47 s=41
